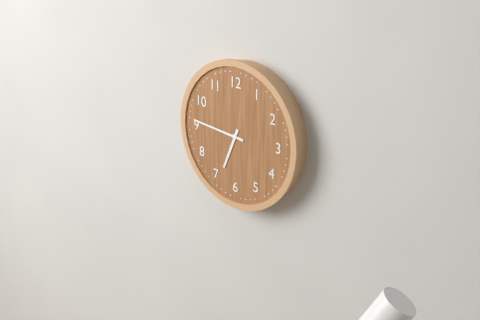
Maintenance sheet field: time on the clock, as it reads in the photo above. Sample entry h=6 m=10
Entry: h=6 m=46
